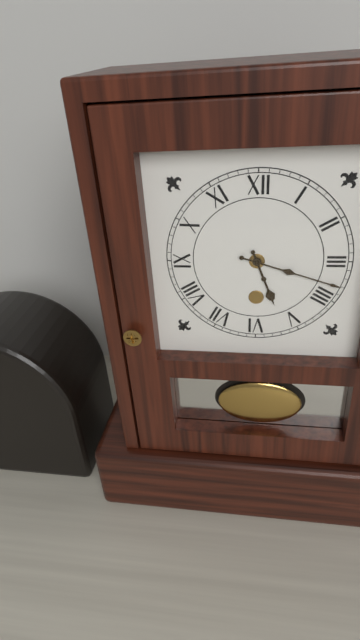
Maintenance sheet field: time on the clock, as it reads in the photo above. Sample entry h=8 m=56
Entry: h=5 m=18
